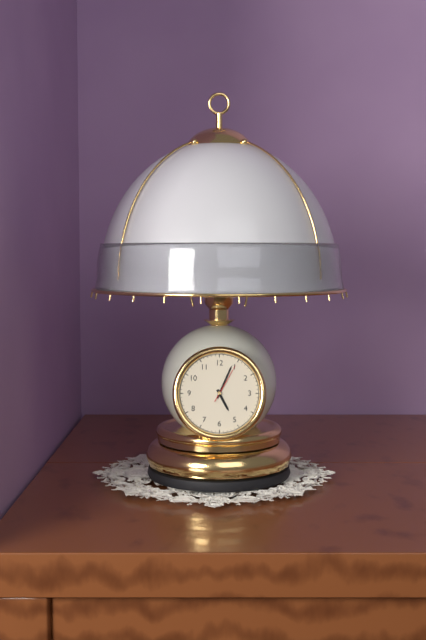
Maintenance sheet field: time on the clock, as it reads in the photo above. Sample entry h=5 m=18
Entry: h=5 m=4
